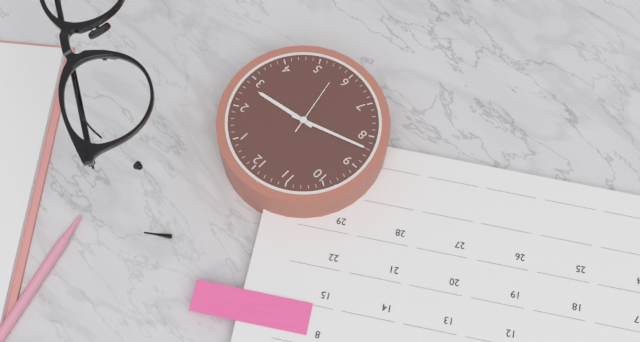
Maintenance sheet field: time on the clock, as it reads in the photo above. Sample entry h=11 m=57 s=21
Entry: h=2 m=42 s=28
